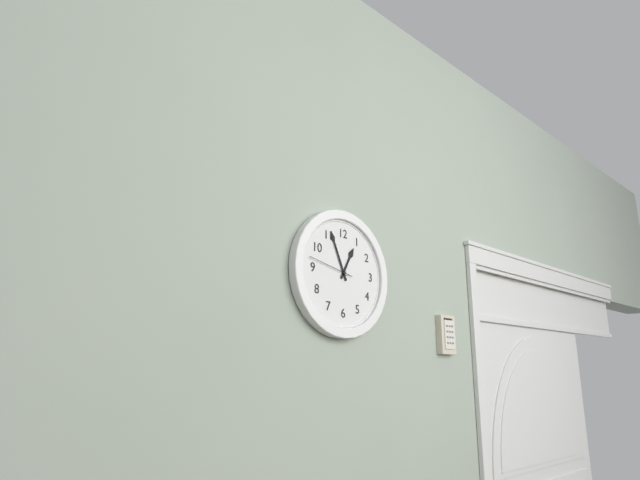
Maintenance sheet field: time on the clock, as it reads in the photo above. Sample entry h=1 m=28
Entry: h=12 m=56
